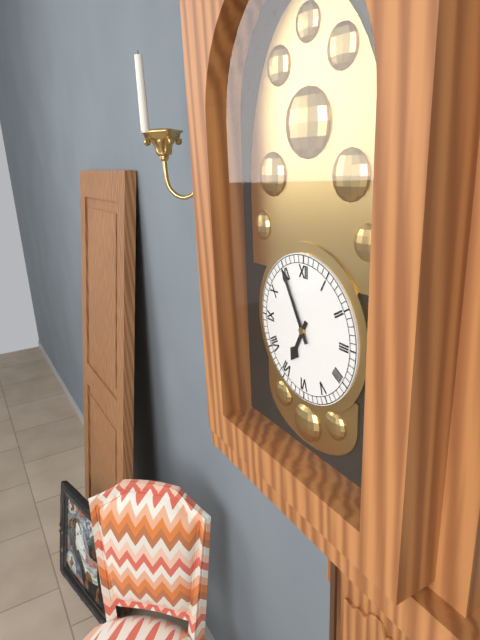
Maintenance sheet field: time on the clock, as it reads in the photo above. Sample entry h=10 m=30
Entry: h=6 m=55
